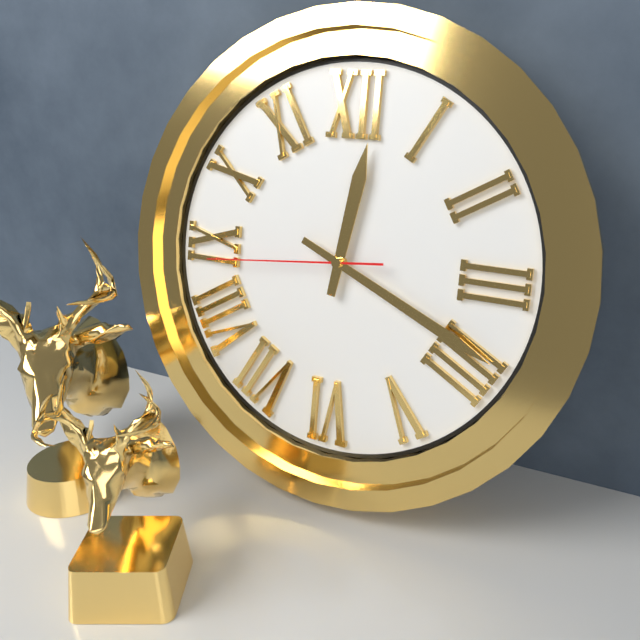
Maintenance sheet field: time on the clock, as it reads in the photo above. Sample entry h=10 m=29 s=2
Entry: h=12 m=19 s=44
